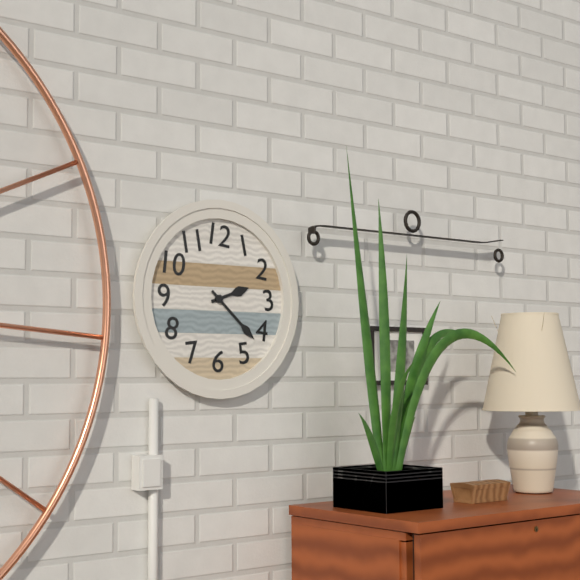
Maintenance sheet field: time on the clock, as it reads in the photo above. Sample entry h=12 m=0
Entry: h=2 m=22
